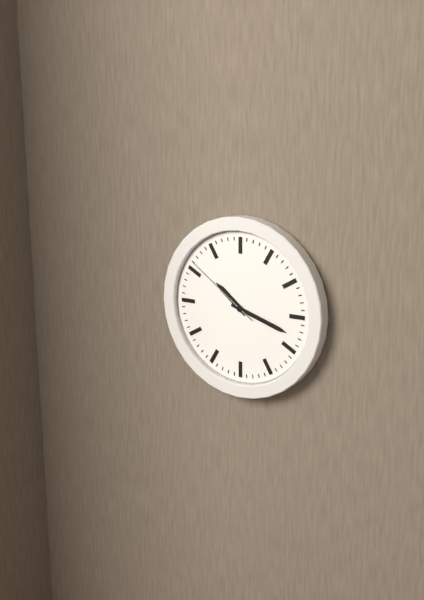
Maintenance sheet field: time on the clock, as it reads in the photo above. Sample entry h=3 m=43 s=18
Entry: h=10 m=18 s=51
